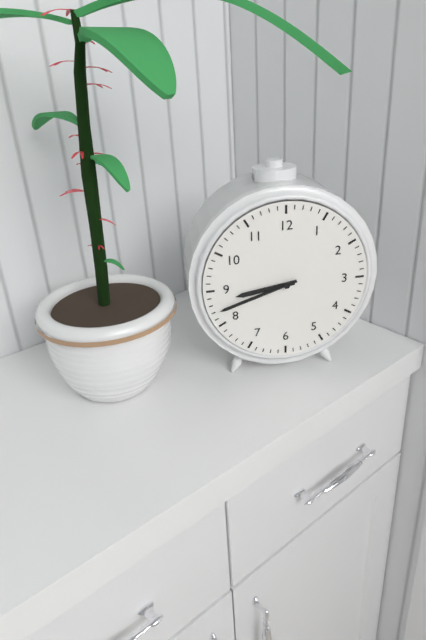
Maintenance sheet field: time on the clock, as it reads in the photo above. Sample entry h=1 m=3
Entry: h=8 m=42
